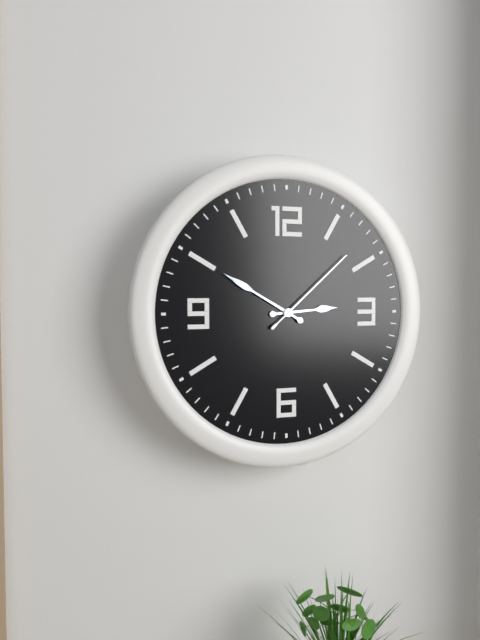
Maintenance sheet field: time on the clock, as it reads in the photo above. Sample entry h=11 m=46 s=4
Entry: h=2 m=50 s=8
